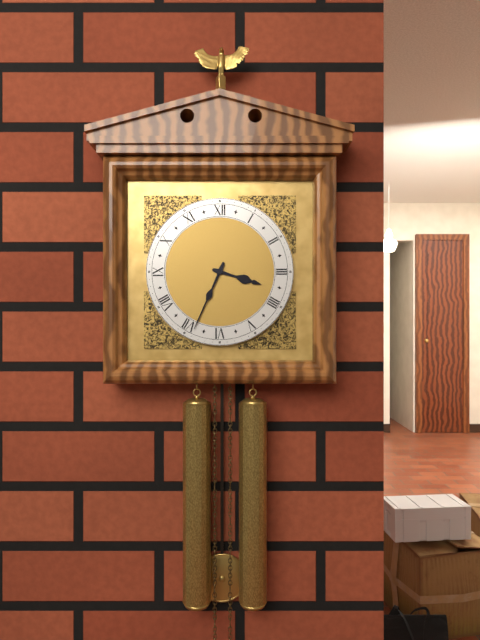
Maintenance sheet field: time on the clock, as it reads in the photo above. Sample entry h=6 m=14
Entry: h=3 m=34
